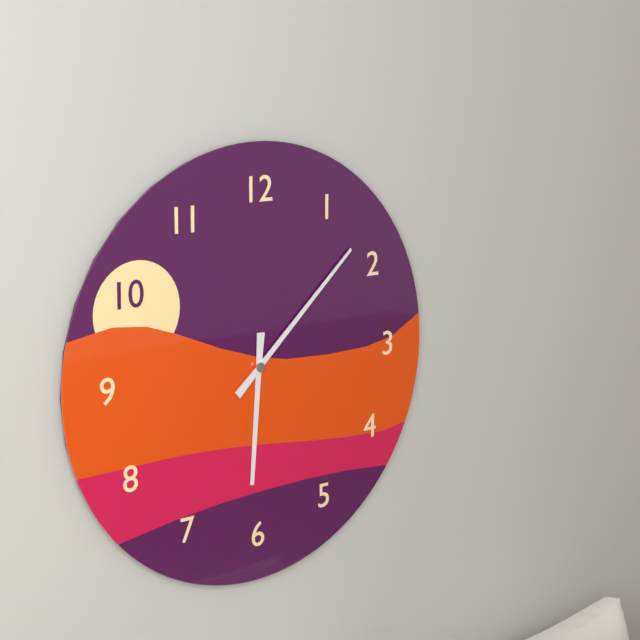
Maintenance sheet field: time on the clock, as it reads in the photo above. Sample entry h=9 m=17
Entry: h=6 m=8
